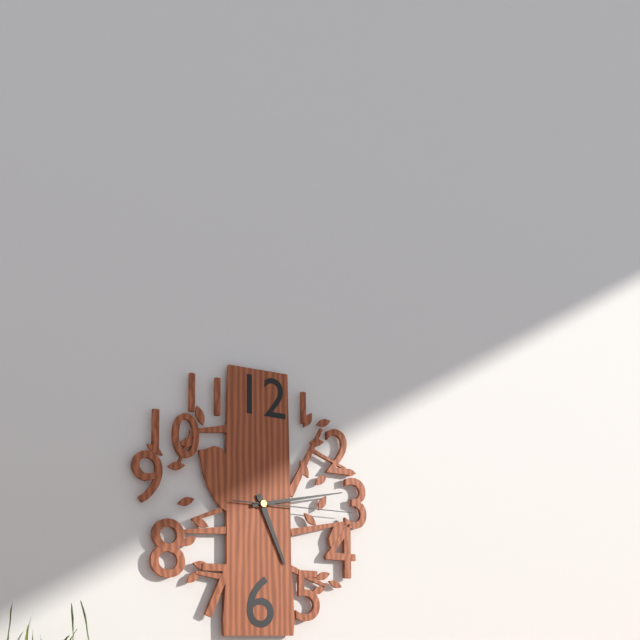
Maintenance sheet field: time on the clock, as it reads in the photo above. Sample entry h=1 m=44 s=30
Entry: h=5 m=13 s=15
